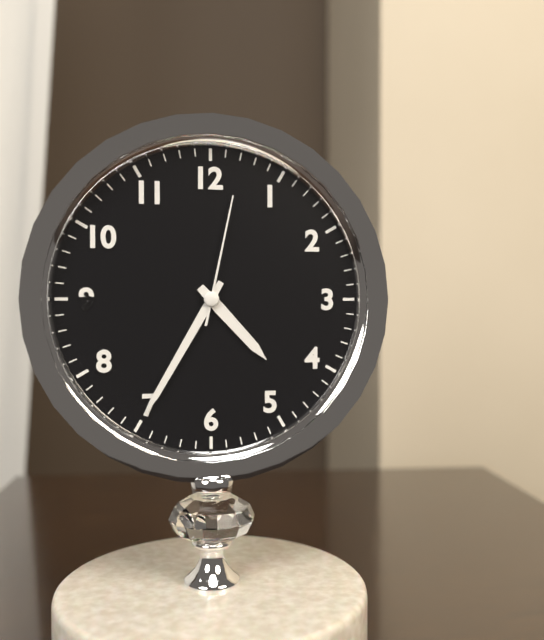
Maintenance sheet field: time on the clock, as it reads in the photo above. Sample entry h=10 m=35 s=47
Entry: h=4 m=35 s=2
